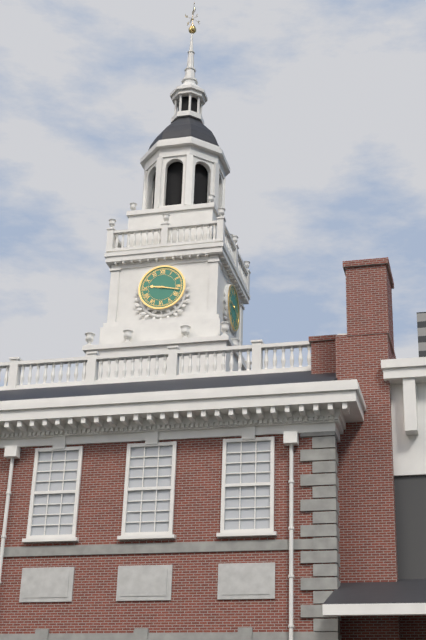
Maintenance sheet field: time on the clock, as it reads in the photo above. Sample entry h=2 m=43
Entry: h=9 m=17
